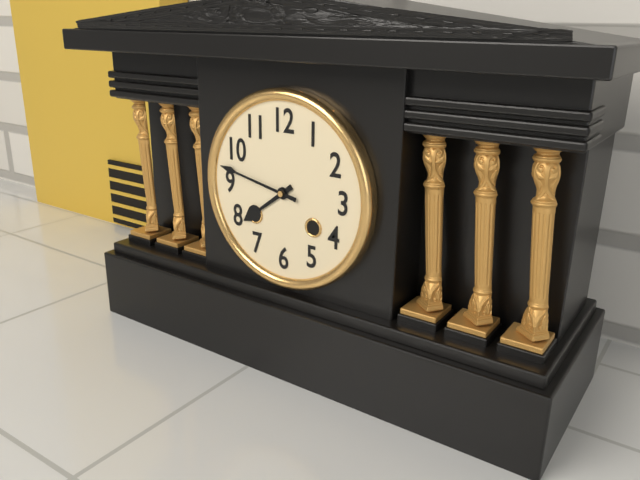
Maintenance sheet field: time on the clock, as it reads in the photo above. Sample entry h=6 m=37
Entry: h=7 m=47
